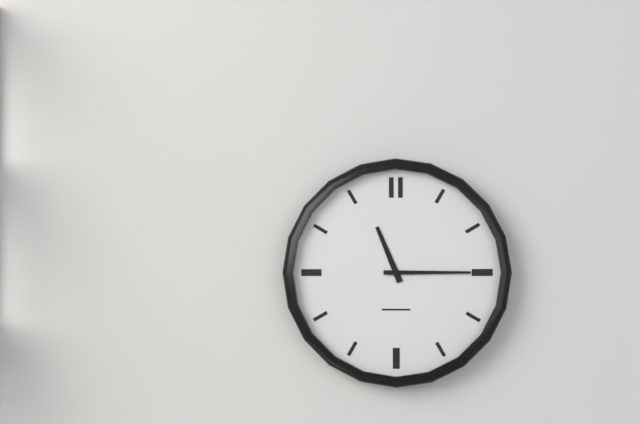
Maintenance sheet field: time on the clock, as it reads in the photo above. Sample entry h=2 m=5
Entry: h=11 m=15
